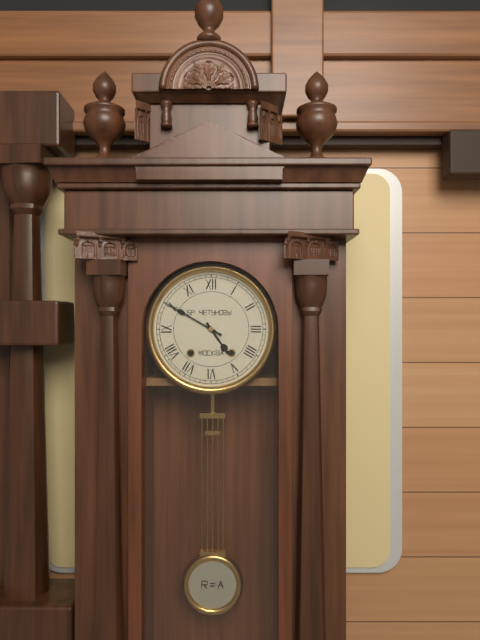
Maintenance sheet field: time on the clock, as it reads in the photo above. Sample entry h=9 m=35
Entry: h=4 m=50
